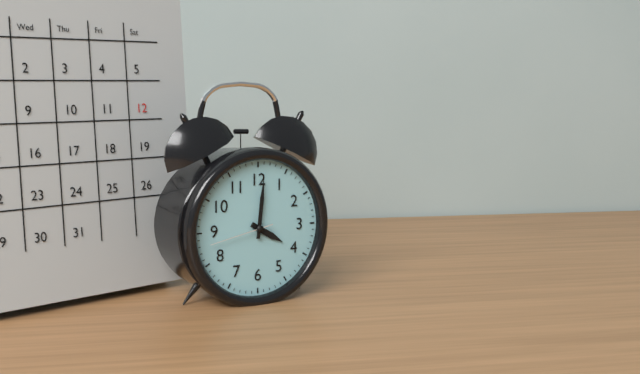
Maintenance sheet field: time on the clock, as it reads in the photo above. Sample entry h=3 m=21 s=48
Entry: h=4 m=1 s=43
